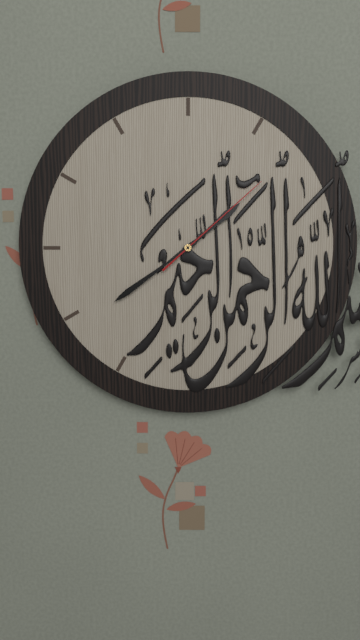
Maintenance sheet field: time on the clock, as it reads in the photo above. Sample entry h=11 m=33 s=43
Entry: h=1 m=39 s=8
